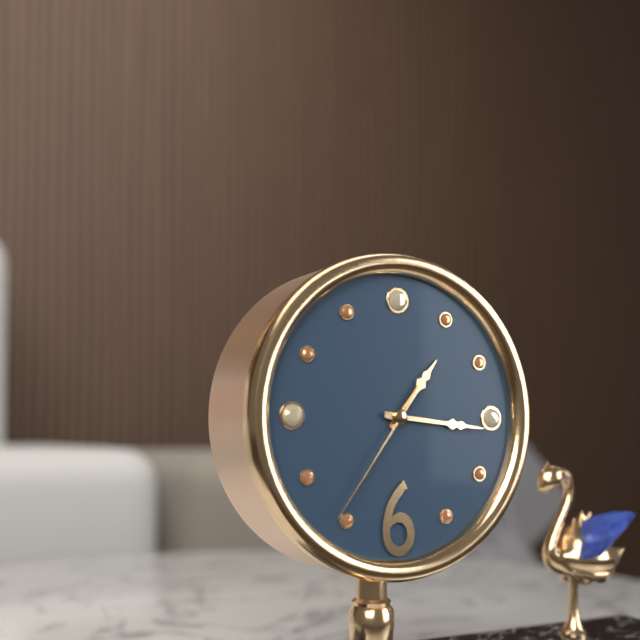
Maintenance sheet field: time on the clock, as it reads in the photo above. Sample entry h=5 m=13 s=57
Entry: h=1 m=16 s=36
